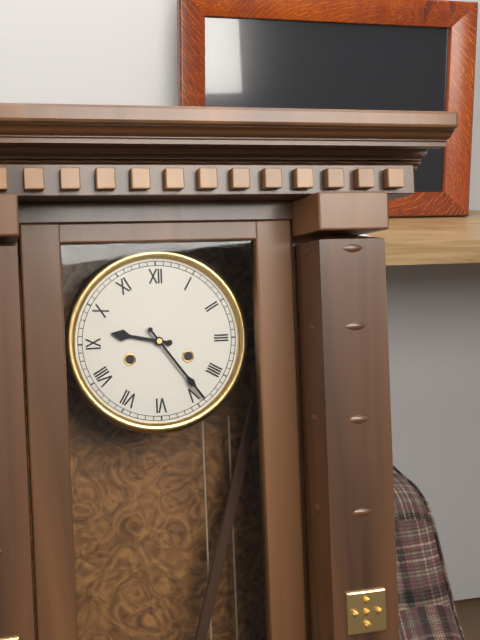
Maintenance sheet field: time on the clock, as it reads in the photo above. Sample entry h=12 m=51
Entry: h=9 m=24
